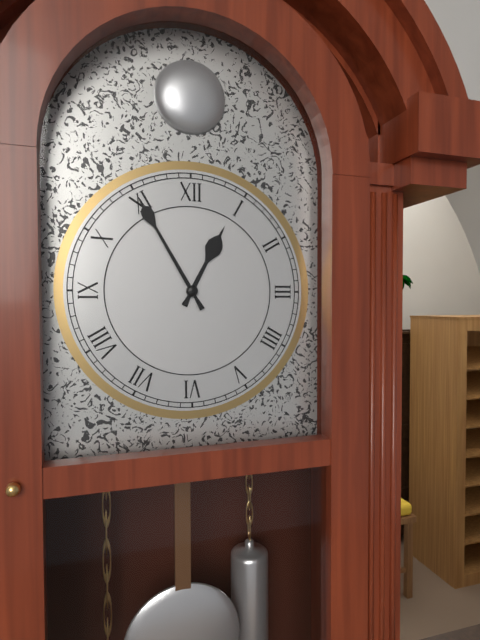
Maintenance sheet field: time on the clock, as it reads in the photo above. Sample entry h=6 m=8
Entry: h=12 m=55
